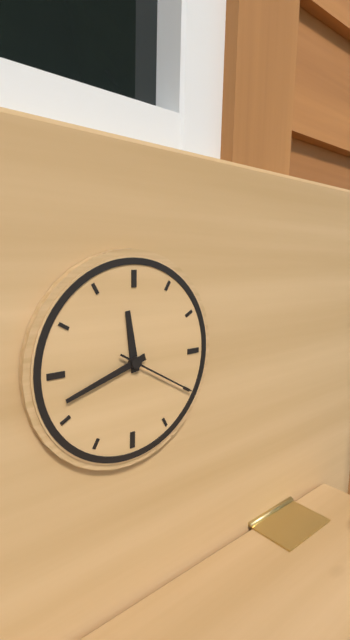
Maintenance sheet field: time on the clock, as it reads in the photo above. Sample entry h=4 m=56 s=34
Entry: h=11 m=42 s=20
